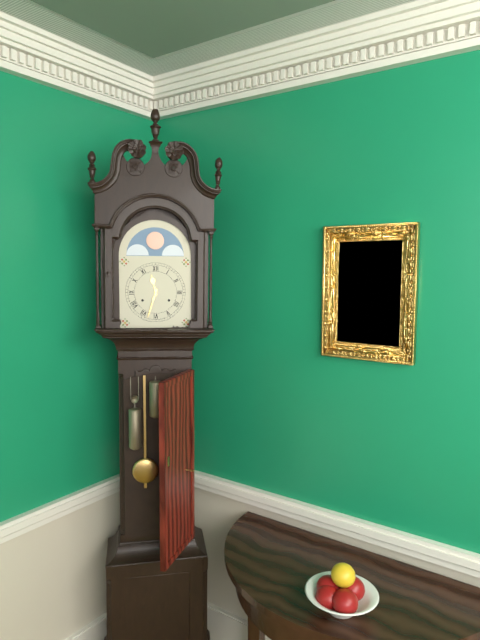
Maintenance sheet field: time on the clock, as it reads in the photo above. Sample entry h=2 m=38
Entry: h=11 m=33
